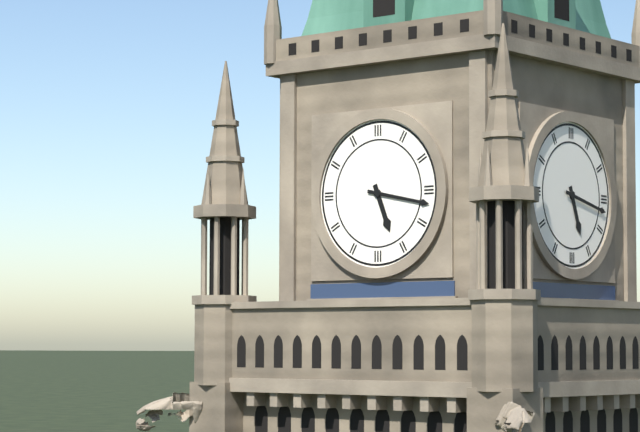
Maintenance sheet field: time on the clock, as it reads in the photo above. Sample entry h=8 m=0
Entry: h=5 m=17
